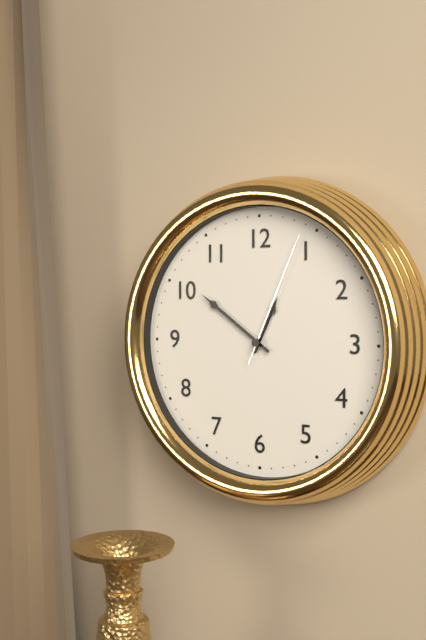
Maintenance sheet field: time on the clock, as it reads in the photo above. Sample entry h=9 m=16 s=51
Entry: h=12 m=51 s=4
